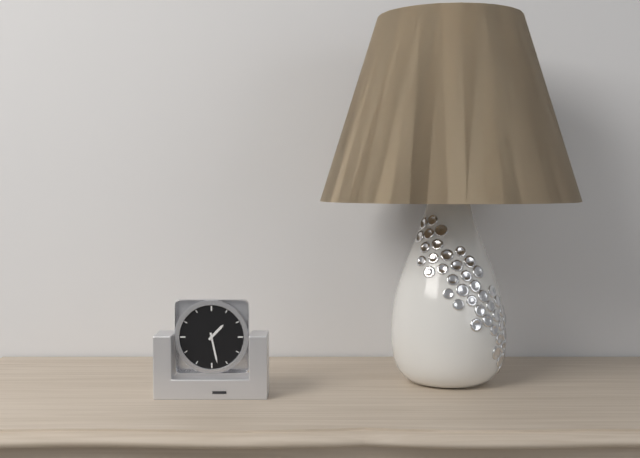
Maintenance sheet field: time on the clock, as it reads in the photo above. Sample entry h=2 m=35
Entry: h=1 m=28
